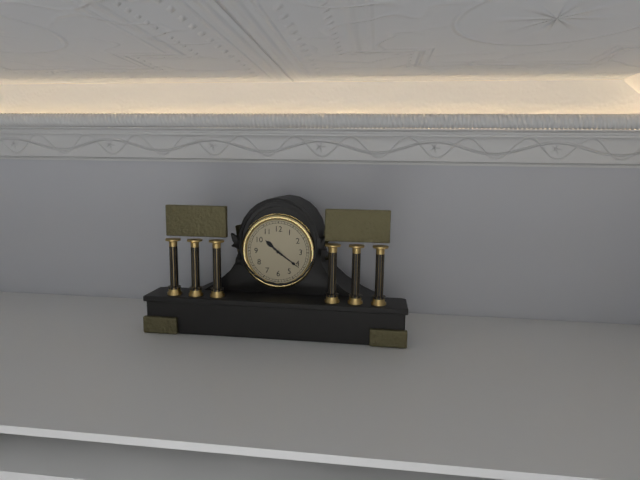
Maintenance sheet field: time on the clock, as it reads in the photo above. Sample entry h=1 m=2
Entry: h=10 m=21
